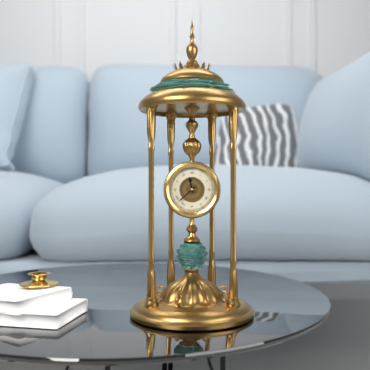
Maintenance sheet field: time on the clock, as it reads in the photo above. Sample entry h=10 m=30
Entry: h=11 m=38
